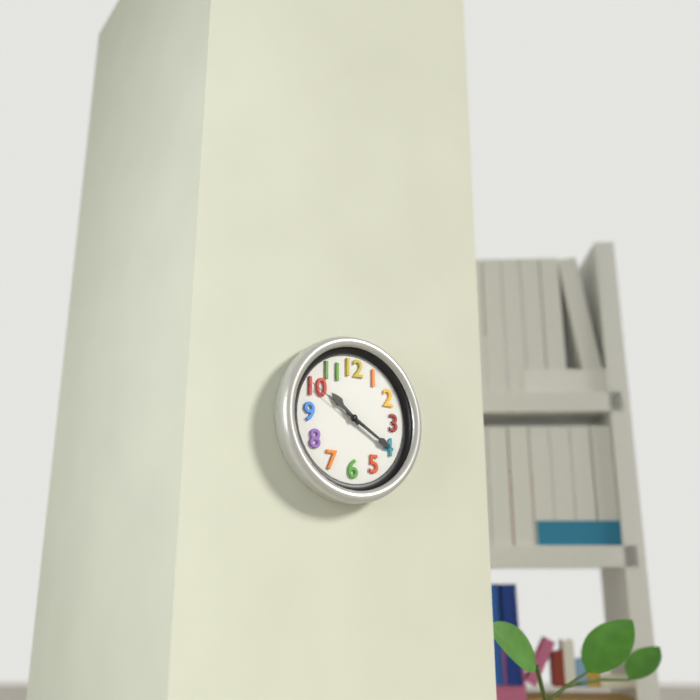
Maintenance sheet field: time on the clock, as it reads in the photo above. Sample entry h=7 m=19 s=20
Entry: h=10 m=20 s=50
